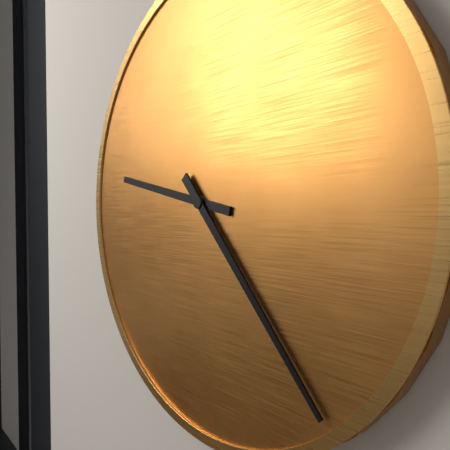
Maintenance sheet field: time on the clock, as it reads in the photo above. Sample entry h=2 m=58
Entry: h=9 m=23
